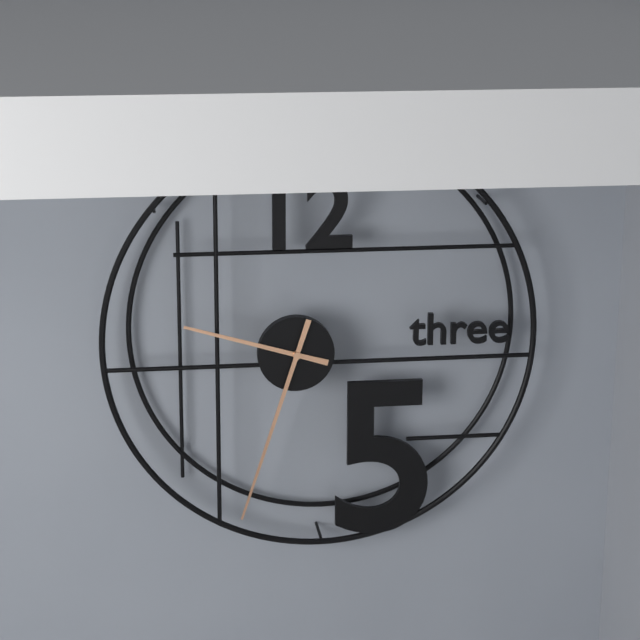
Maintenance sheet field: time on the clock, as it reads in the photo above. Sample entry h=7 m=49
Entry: h=9 m=33
